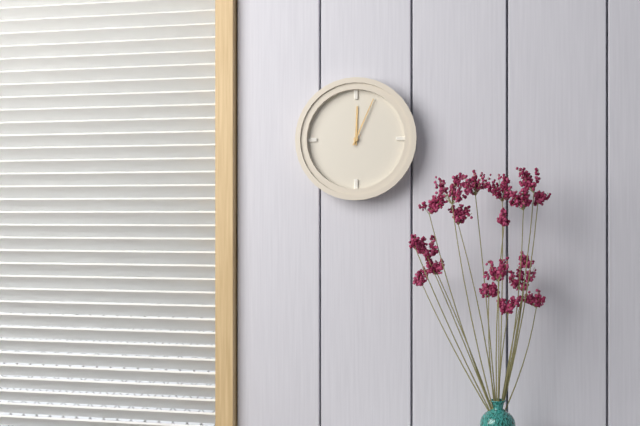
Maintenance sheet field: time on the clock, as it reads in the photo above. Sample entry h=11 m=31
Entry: h=12 m=4
